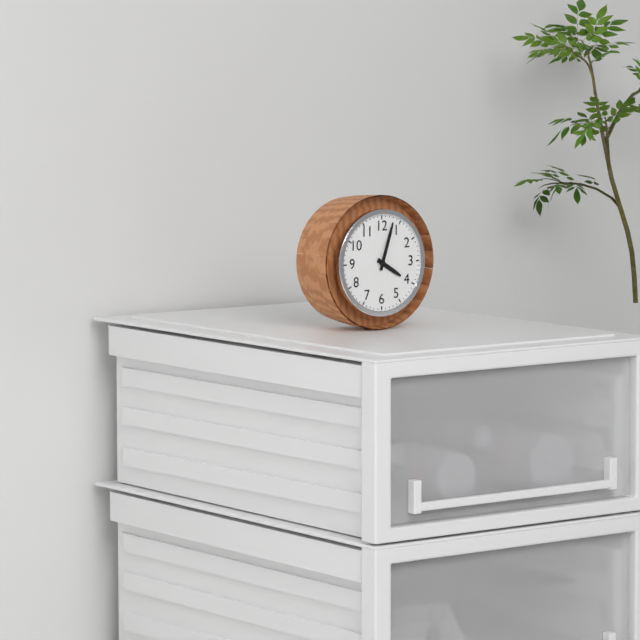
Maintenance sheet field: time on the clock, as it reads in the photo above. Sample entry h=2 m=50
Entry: h=4 m=3
